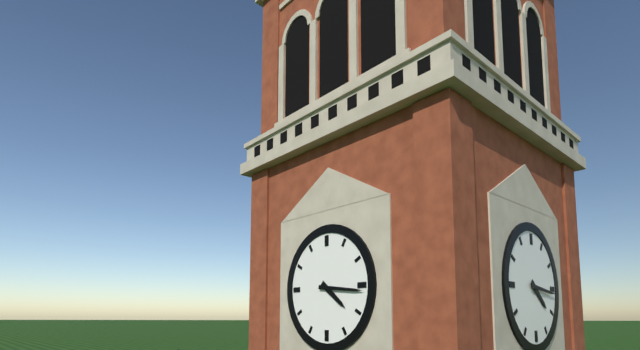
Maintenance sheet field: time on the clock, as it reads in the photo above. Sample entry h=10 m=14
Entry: h=4 m=16
